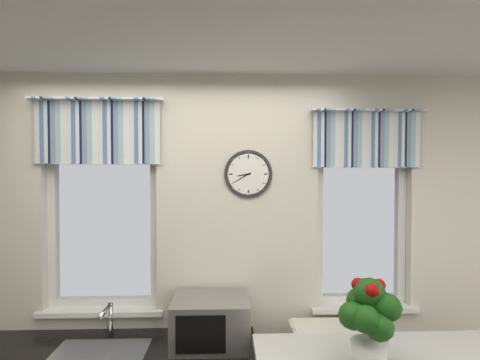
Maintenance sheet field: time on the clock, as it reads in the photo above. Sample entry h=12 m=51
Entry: h=8 m=40
